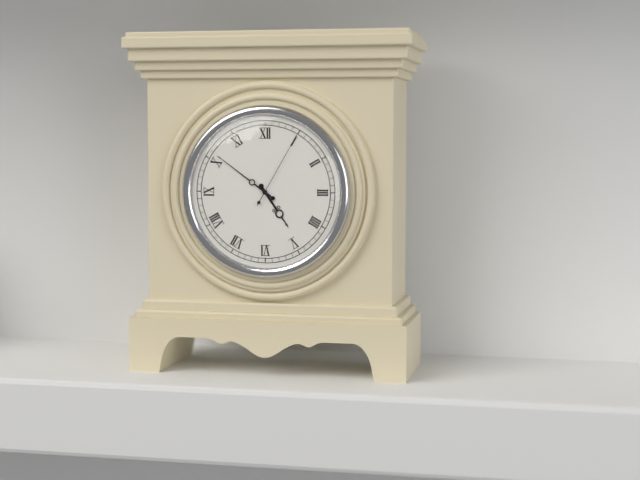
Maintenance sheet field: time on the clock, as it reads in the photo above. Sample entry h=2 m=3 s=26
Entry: h=4 m=51 s=5
